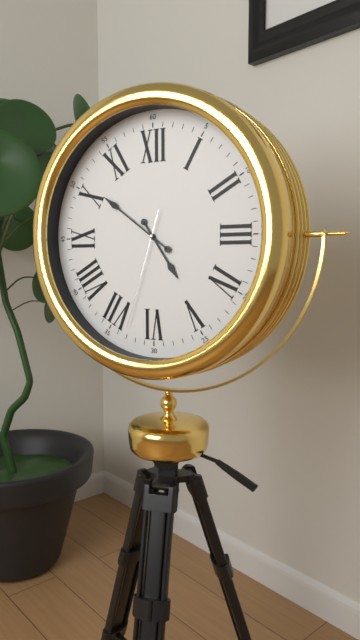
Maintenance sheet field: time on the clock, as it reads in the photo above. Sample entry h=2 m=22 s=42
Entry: h=4 m=51 s=33
